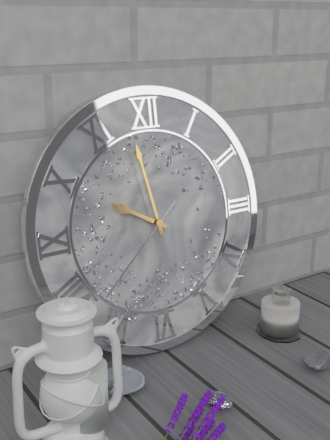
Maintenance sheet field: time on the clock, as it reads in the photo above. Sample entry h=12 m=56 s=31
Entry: h=9 m=58 s=38
